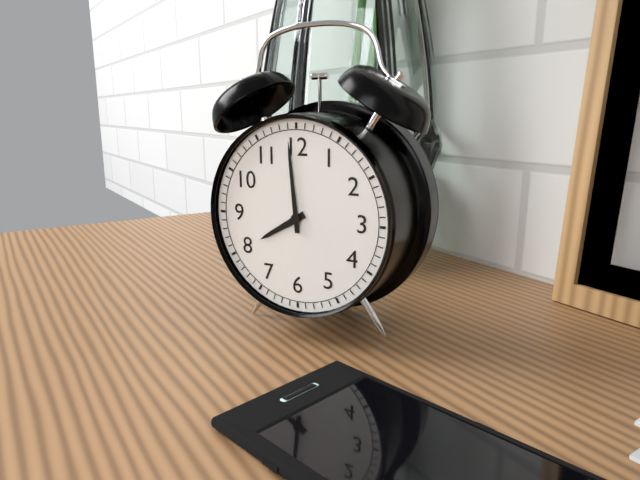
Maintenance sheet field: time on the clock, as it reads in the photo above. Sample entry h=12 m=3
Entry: h=7 m=59
